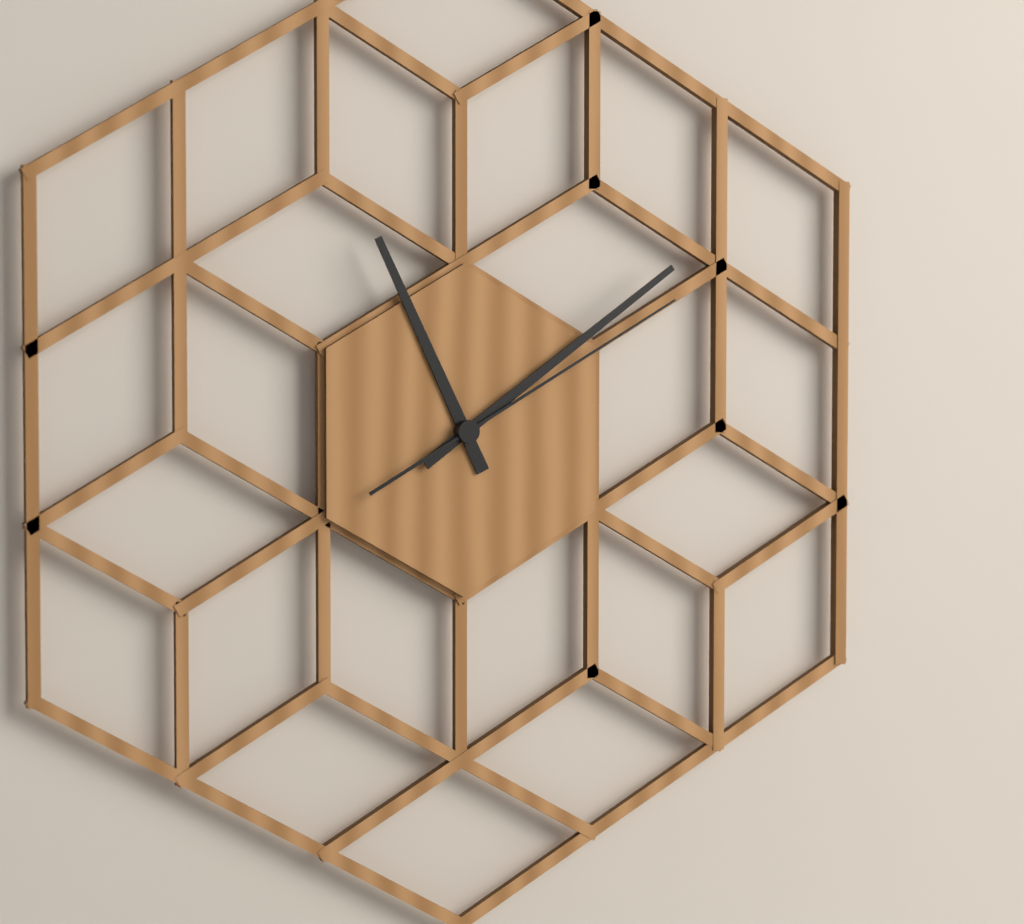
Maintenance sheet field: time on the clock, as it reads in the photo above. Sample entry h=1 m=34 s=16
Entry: h=11 m=9 s=10
